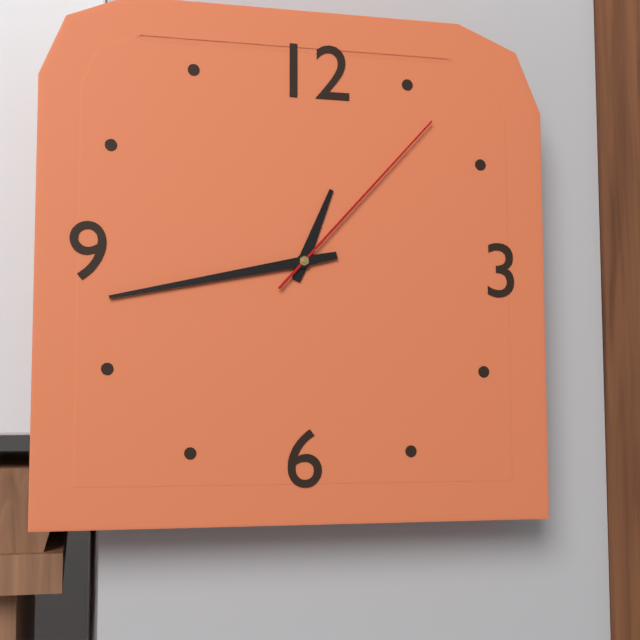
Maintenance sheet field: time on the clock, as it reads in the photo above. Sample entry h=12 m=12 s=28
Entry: h=12 m=43 s=7
